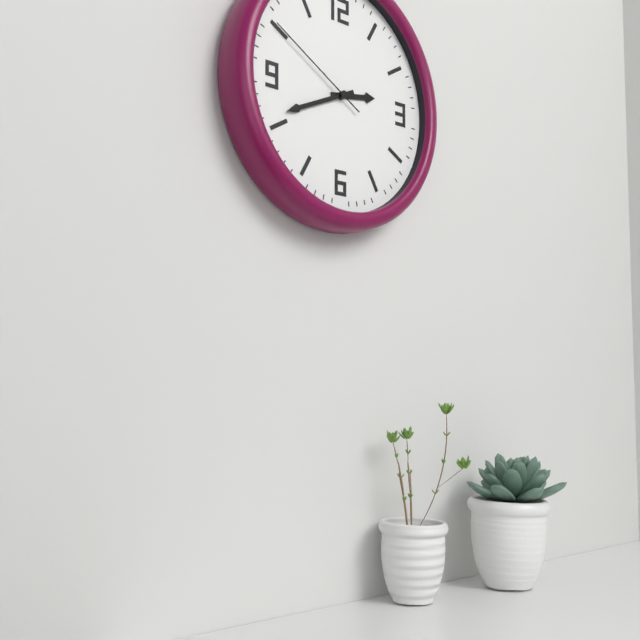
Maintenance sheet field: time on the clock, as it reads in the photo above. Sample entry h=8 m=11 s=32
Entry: h=2 m=41 s=50
